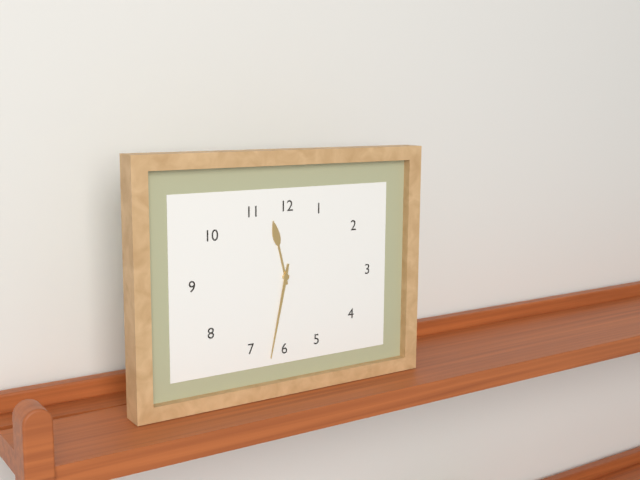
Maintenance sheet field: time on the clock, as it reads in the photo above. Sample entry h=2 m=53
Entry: h=11 m=32
